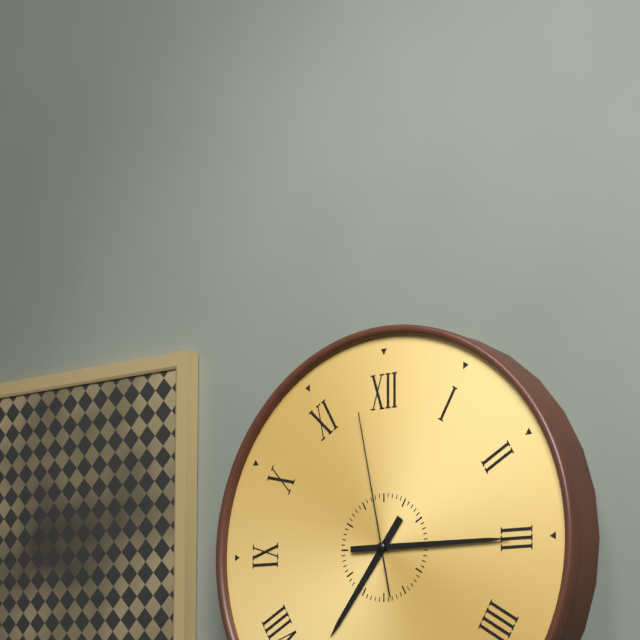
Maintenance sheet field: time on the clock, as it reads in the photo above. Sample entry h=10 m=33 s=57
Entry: h=7 m=15 s=58
